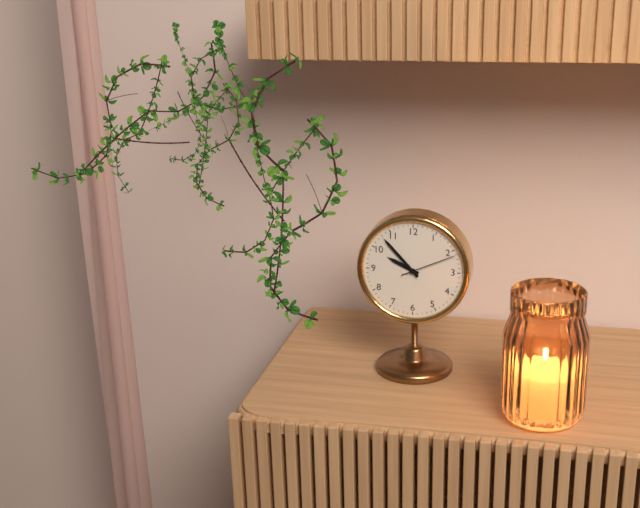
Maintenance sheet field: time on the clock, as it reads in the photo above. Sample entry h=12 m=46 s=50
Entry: h=9 m=53 s=11
